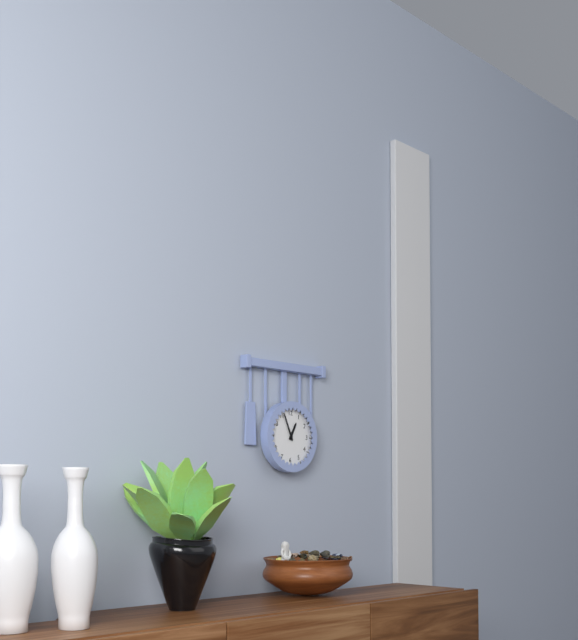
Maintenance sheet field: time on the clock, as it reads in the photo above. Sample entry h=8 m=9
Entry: h=12 m=56
